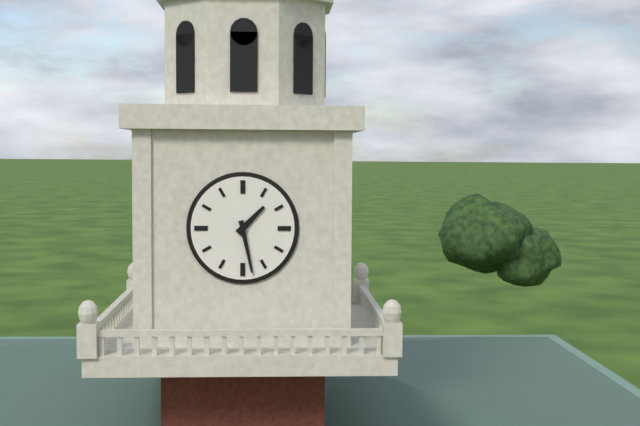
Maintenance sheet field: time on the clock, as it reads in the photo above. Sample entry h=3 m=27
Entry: h=1 m=28
